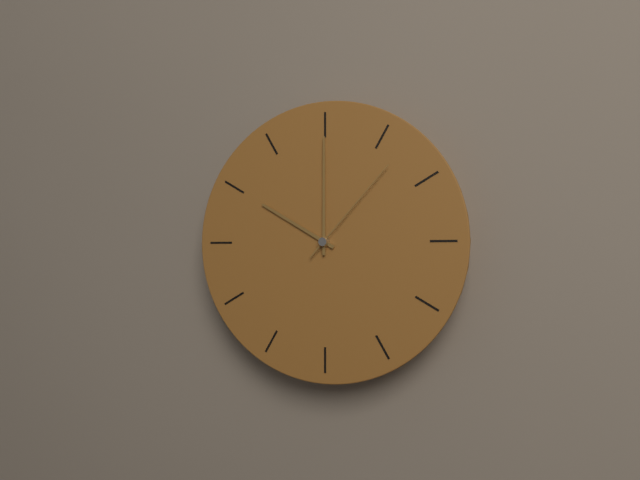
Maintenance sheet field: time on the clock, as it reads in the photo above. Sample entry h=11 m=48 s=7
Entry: h=10 m=0 s=7
